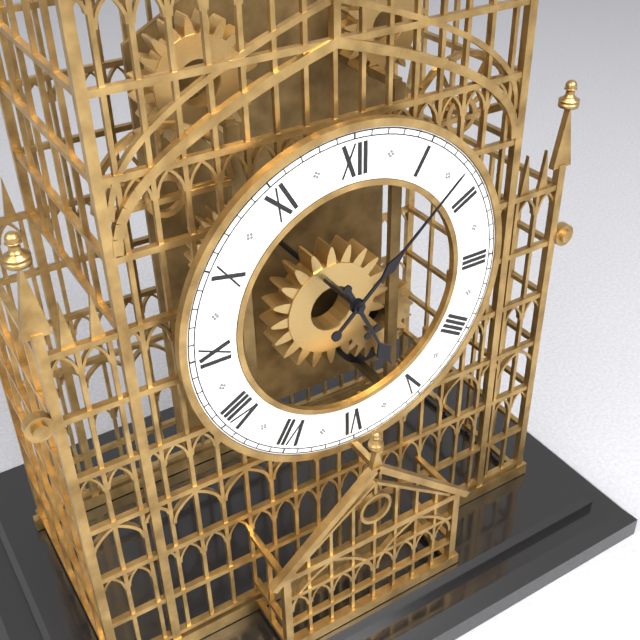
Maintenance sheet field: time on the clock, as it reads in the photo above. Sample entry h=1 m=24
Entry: h=5 m=8
